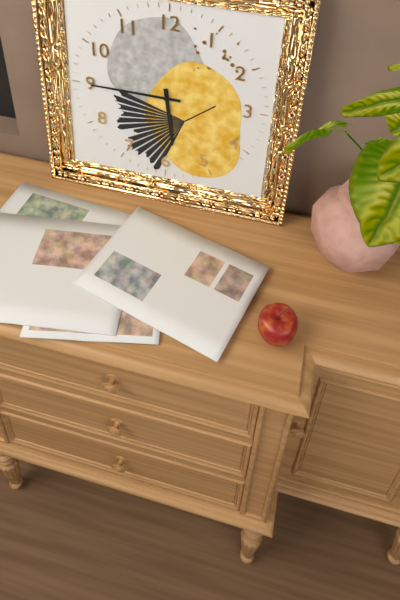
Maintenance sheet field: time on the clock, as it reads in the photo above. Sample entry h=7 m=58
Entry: h=5 m=45
